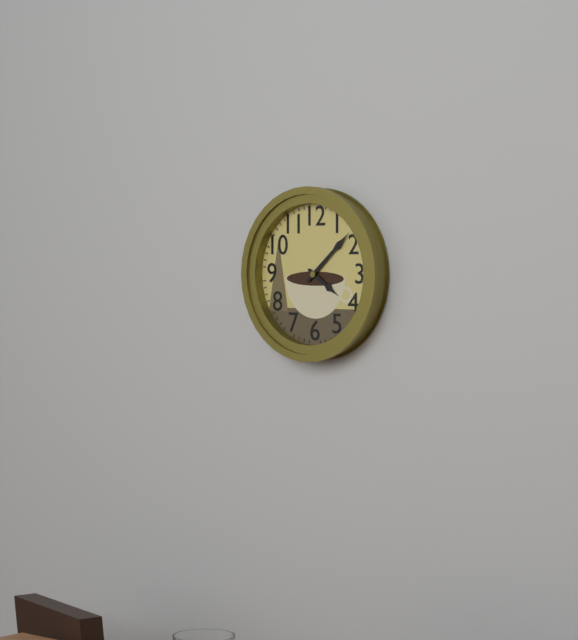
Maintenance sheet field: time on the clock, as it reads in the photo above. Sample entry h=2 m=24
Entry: h=4 m=8
